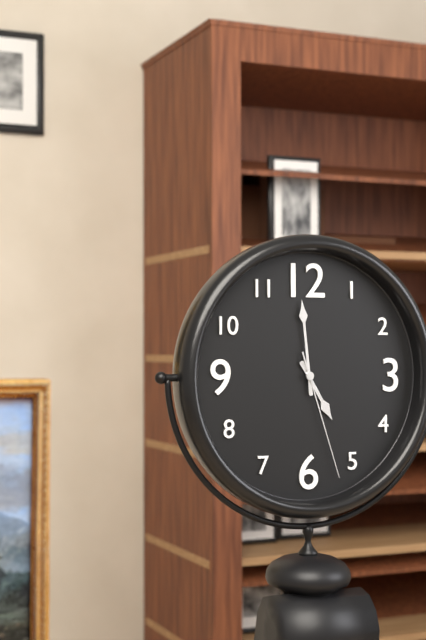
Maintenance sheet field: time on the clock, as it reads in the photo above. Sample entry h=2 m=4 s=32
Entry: h=4 m=59 s=27
